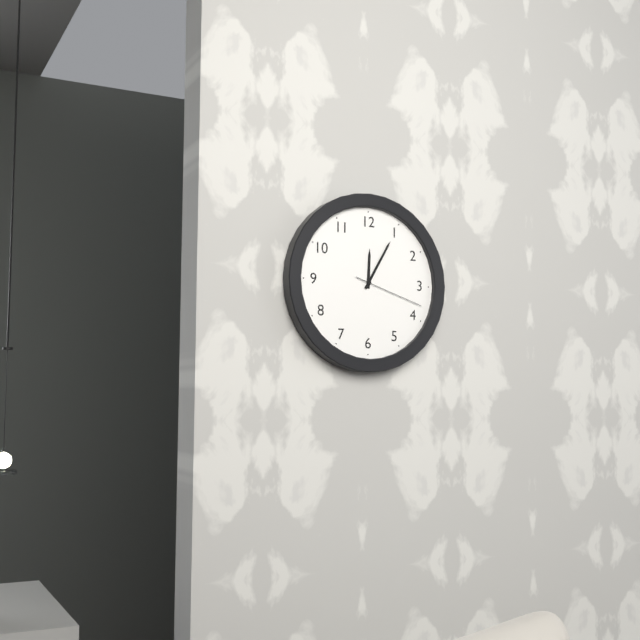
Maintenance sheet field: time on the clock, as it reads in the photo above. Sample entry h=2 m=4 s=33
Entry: h=12 m=5 s=18
